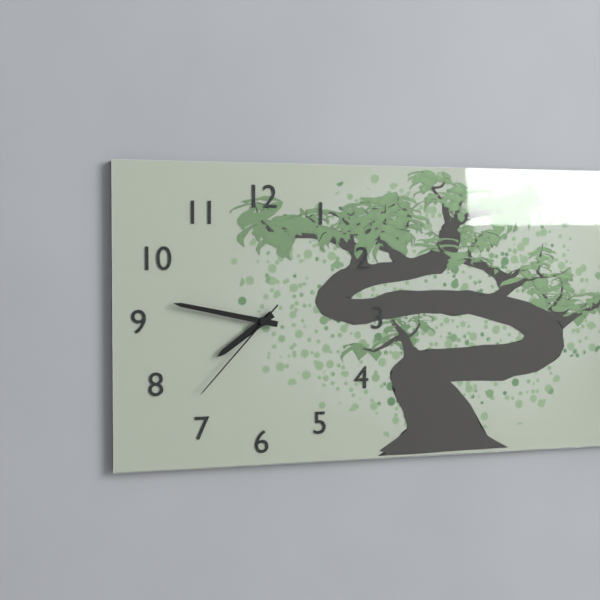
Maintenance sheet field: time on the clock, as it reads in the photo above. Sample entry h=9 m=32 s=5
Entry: h=7 m=47 s=37
